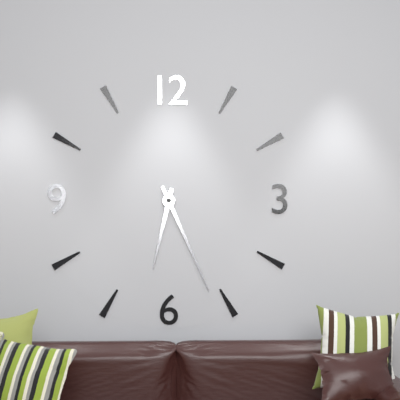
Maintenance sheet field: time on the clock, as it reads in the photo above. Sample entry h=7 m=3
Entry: h=6 m=26
